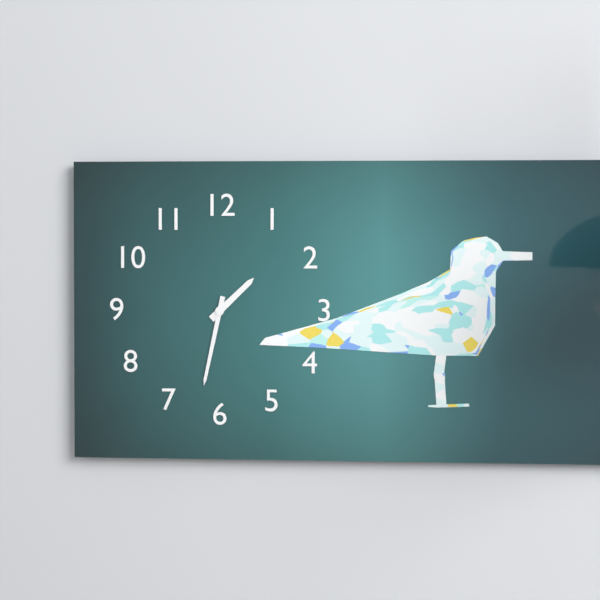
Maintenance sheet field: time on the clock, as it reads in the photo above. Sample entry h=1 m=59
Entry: h=1 m=32
